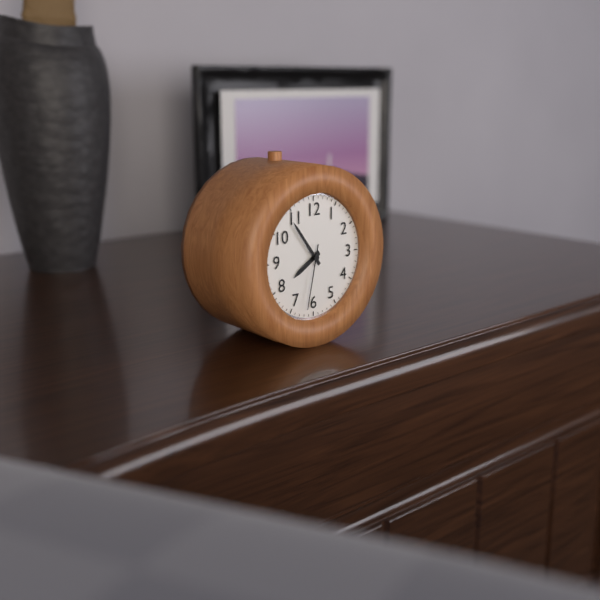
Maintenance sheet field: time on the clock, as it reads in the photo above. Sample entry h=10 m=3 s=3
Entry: h=7 m=54 s=32
